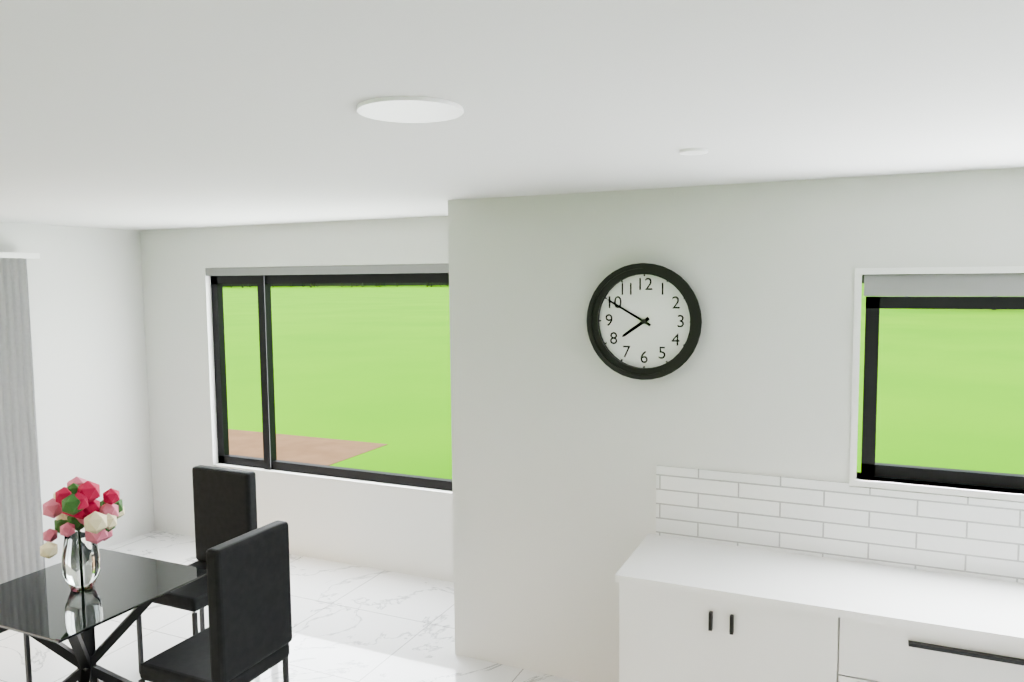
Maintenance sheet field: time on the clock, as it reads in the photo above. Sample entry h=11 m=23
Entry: h=7 m=50
